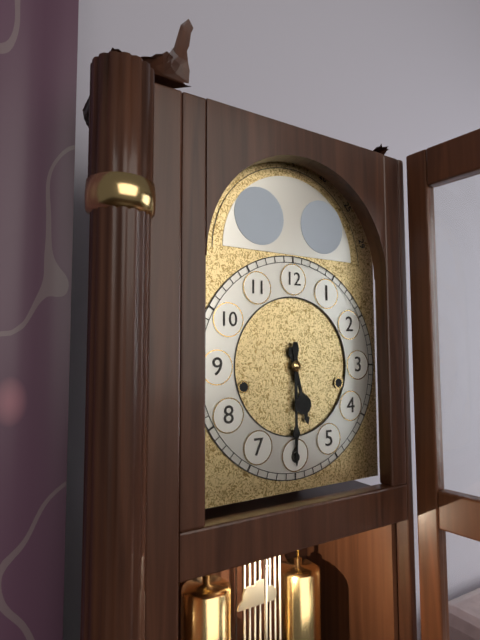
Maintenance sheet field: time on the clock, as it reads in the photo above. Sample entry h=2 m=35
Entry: h=5 m=30
